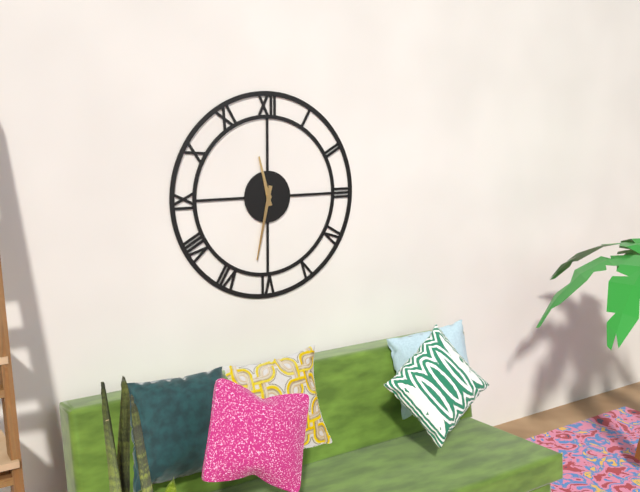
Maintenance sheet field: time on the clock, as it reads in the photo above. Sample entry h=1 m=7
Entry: h=11 m=32
